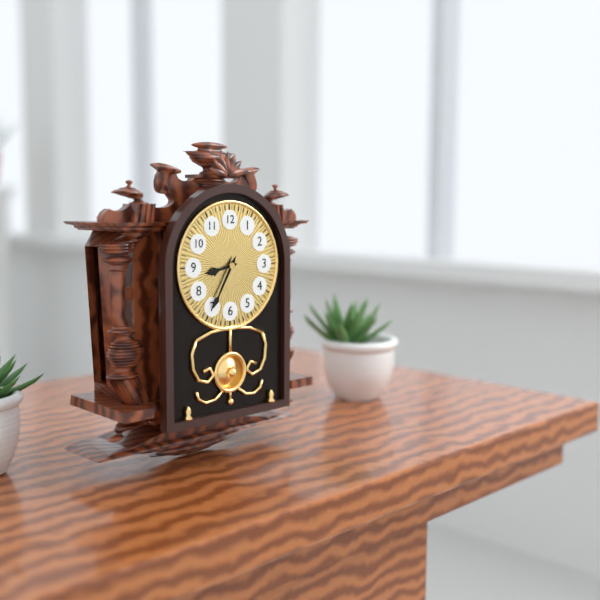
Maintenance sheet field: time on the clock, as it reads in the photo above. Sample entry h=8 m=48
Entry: h=8 m=35
